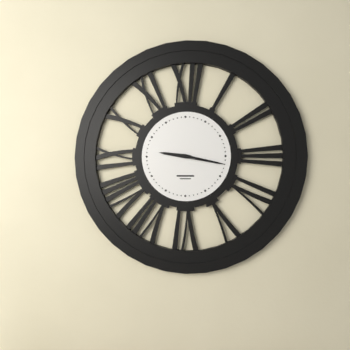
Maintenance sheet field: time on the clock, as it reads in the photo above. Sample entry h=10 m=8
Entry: h=9 m=17
